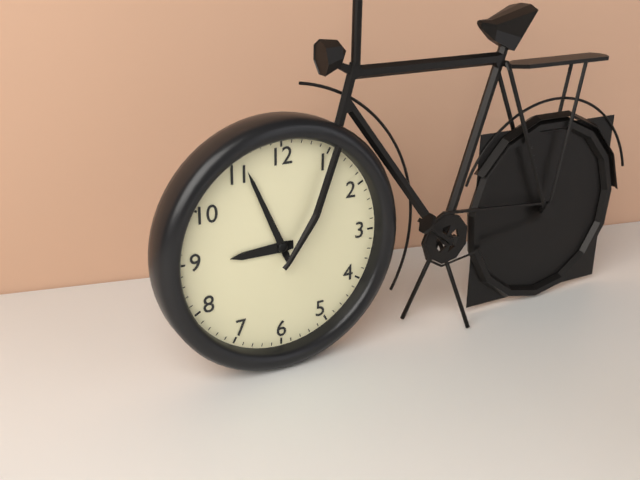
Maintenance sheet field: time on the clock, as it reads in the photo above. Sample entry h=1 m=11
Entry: h=8 m=56
